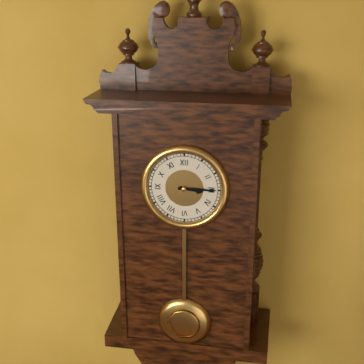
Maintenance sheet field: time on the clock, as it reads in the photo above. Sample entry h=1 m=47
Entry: h=3 m=15
